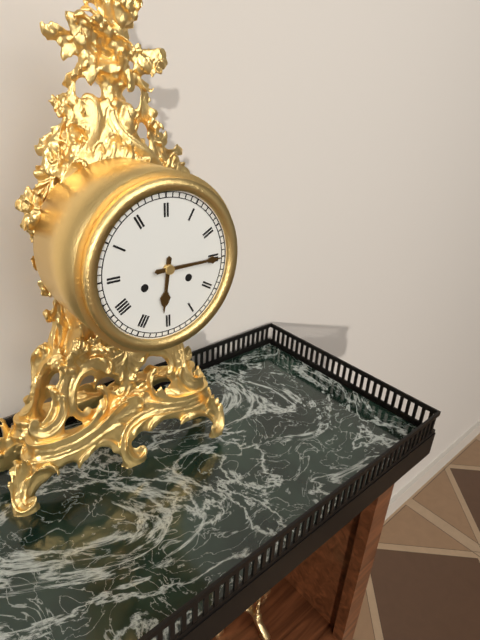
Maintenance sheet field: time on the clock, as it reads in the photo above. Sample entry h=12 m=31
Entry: h=6 m=15
